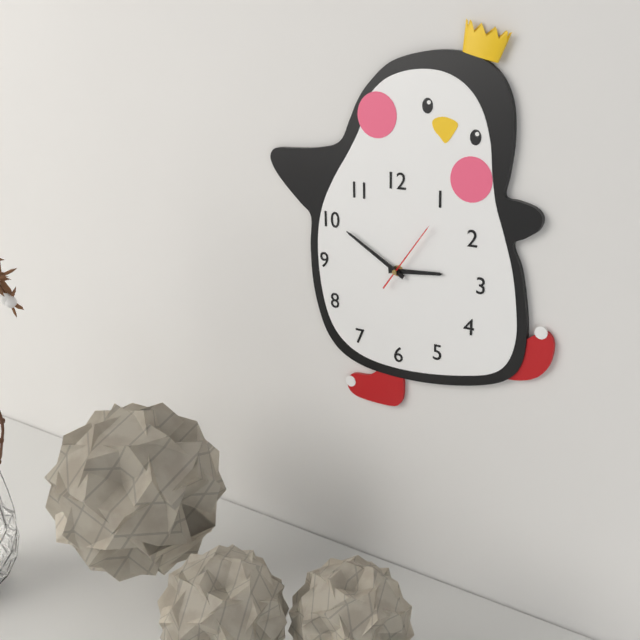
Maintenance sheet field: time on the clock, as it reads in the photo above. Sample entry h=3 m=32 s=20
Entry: h=2 m=50 s=6
